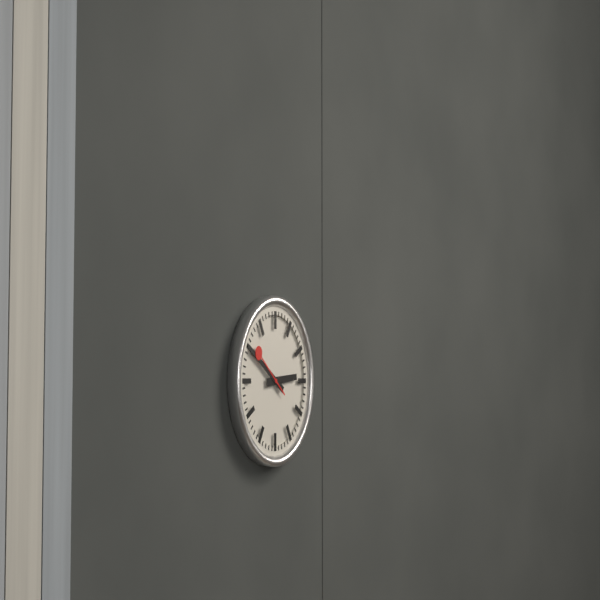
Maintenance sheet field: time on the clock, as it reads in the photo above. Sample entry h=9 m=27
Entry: h=2 m=50
